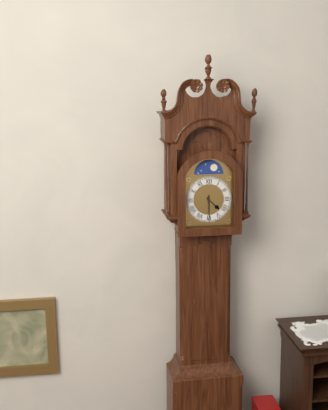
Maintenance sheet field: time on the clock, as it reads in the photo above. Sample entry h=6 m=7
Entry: h=4 m=30
